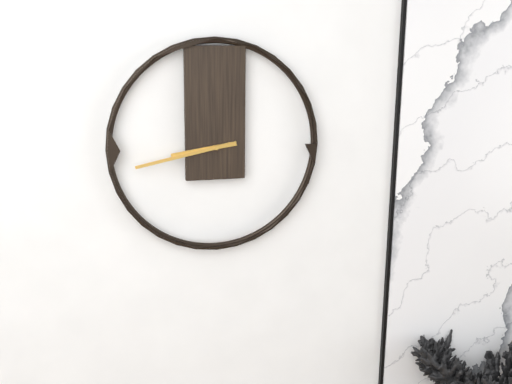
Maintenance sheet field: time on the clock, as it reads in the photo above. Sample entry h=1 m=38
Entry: h=8 m=43
